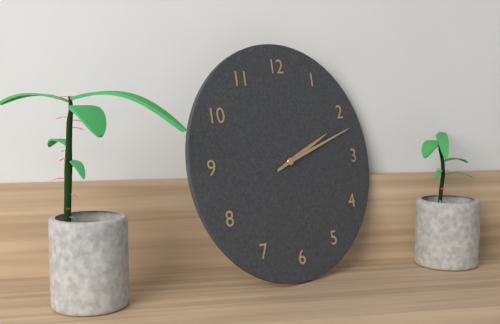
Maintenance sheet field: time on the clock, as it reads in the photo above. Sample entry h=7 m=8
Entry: h=2 m=12
